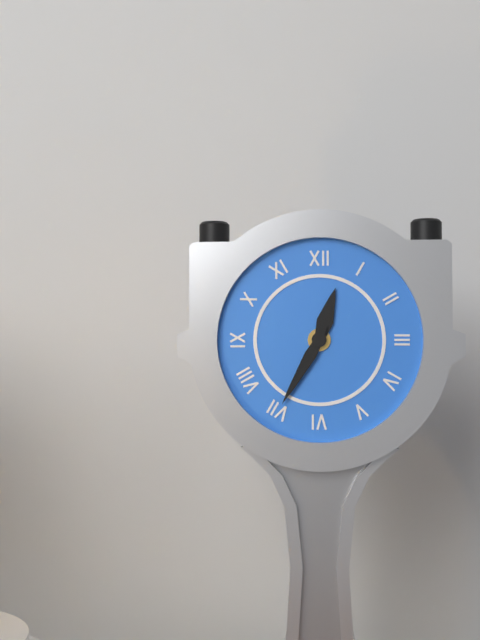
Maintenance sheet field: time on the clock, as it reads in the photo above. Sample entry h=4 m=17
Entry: h=12 m=35
